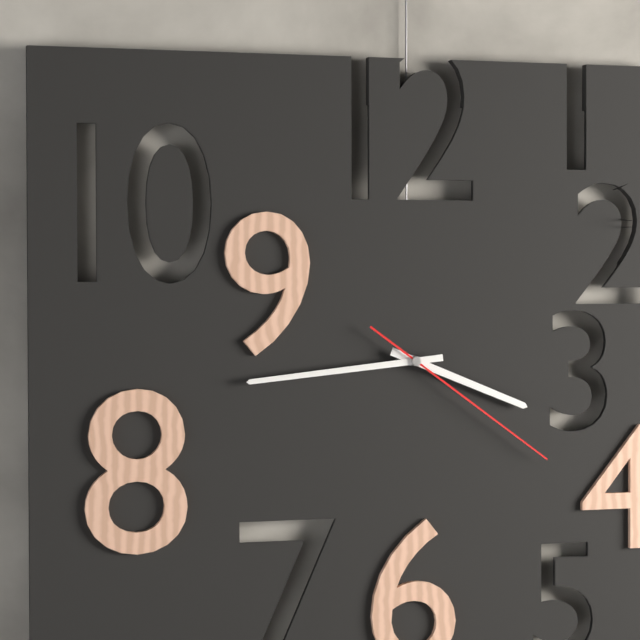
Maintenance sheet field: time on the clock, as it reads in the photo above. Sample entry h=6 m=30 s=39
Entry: h=3 m=44 s=21
